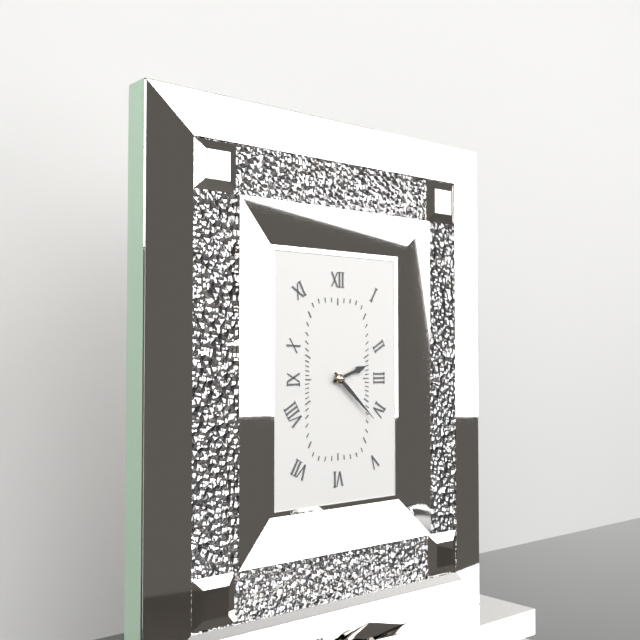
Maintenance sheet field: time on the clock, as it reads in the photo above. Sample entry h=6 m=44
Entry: h=2 m=22
